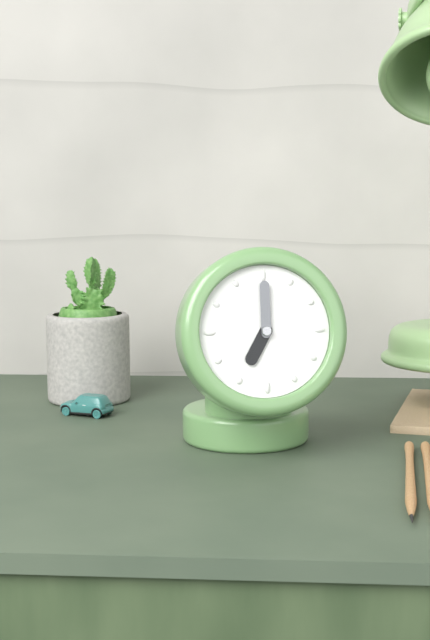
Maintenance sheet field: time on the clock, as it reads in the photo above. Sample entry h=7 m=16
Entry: h=7 m=0
